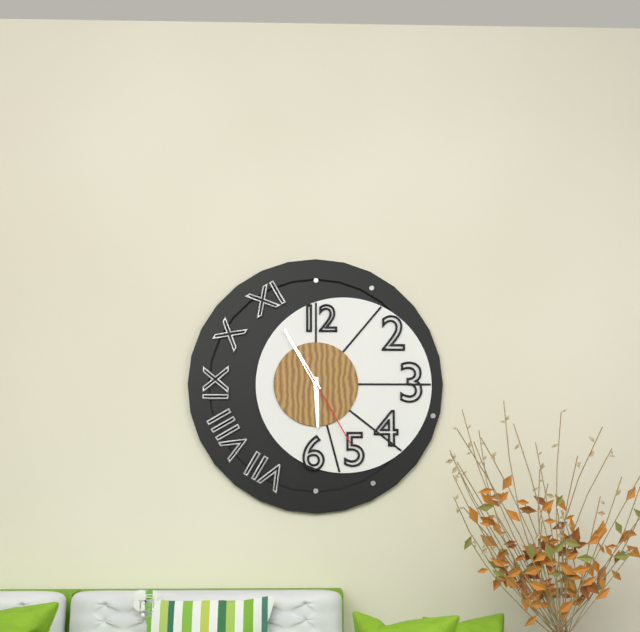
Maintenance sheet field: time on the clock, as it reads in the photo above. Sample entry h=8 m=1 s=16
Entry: h=5 m=55 s=25
